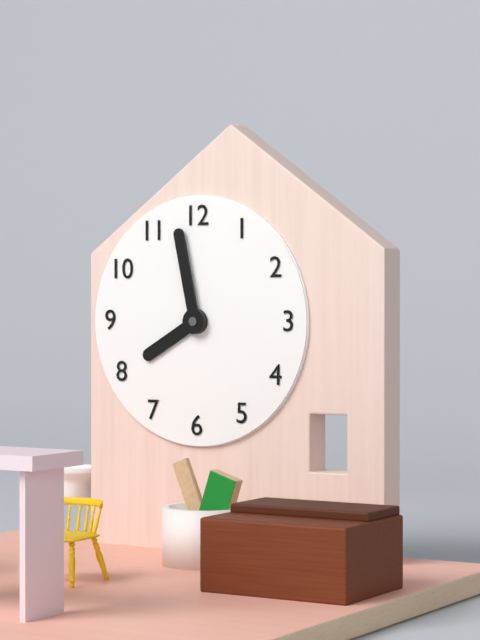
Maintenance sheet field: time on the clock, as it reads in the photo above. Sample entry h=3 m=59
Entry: h=7 m=58
